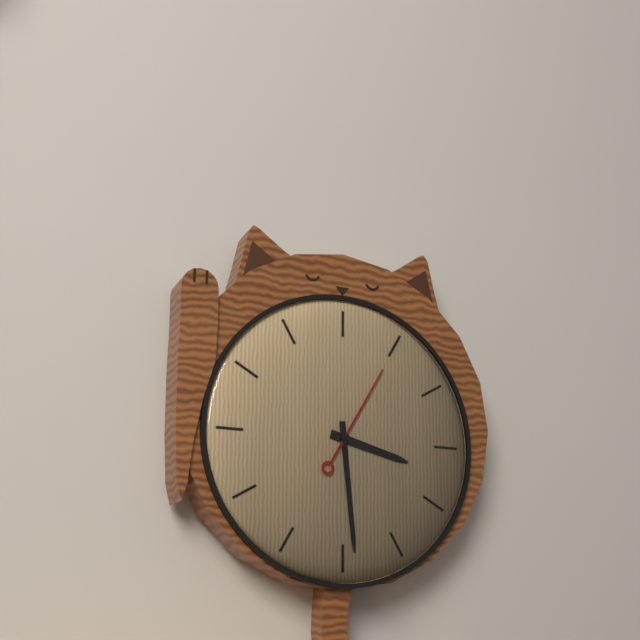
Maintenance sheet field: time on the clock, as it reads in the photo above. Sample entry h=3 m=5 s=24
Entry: h=3 m=29 s=5
